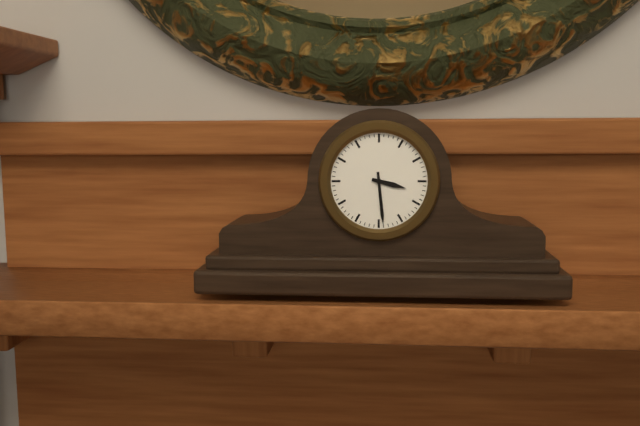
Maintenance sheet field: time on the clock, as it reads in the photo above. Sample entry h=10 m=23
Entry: h=3 m=29
